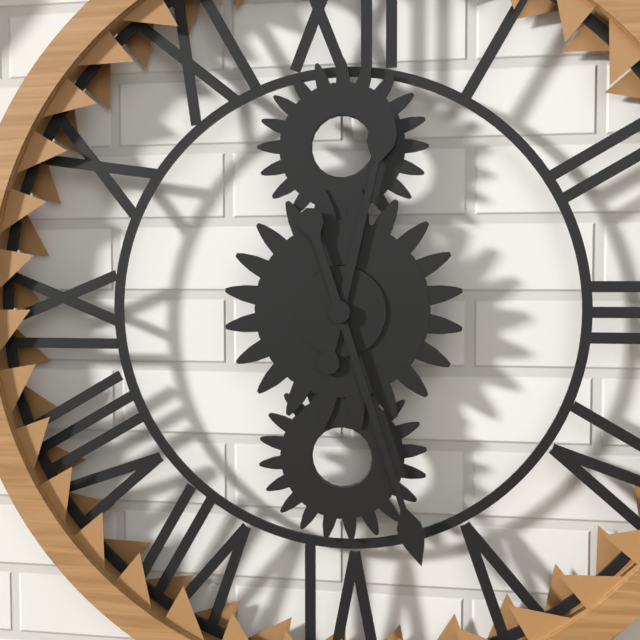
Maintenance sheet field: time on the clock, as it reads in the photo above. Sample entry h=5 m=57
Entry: h=12 m=27
